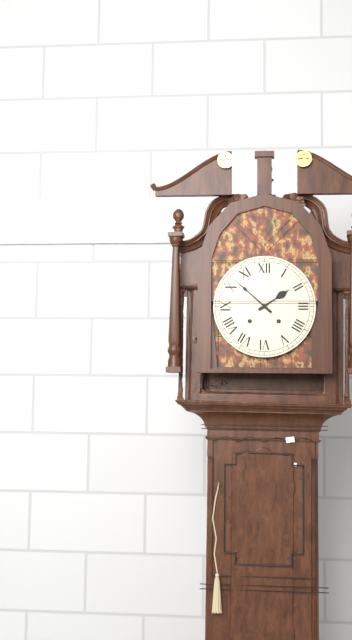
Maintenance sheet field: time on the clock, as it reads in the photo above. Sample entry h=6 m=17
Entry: h=1 m=52
